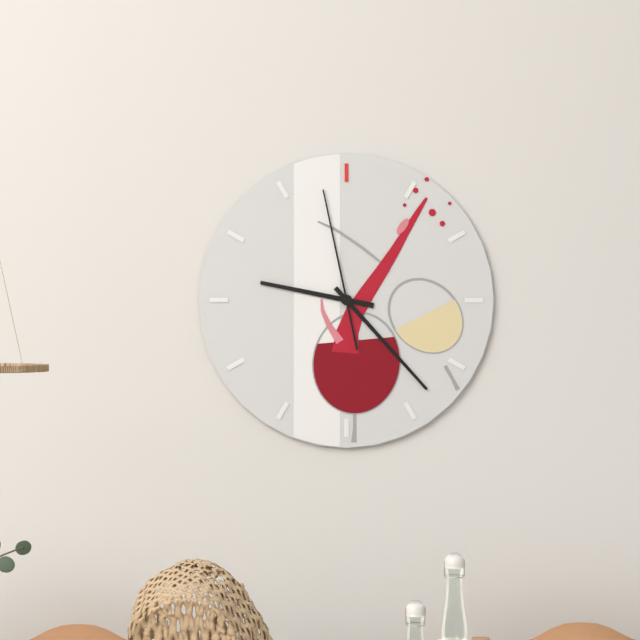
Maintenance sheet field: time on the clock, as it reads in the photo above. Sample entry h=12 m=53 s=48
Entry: h=9 m=23 s=58
